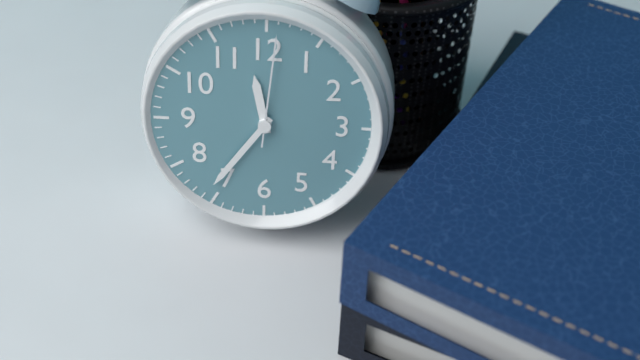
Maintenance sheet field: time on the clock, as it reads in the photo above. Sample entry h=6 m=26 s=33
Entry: h=11 m=36 s=1
